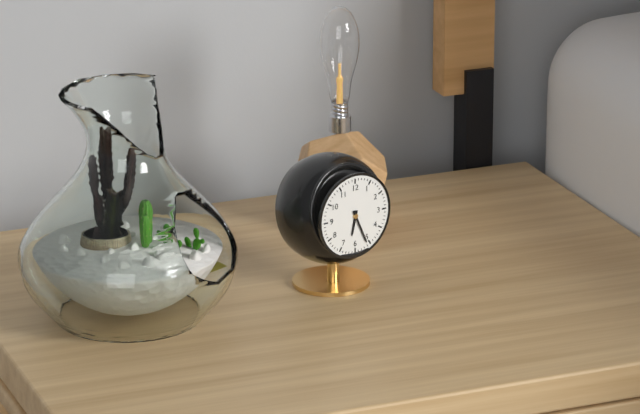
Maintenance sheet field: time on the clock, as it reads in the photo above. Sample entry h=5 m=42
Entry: h=6 m=26
